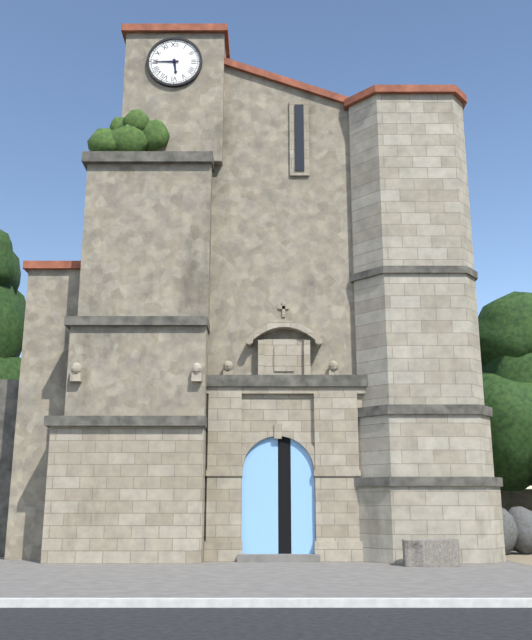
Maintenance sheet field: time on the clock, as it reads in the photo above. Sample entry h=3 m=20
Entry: h=5 m=45
